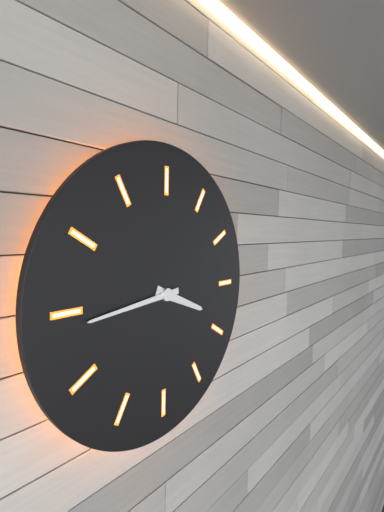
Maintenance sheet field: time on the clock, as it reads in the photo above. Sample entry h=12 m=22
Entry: h=3 m=44
